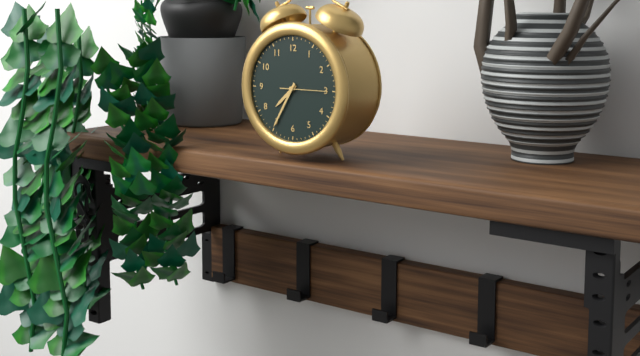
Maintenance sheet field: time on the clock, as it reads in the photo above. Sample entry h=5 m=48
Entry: h=7 m=35
